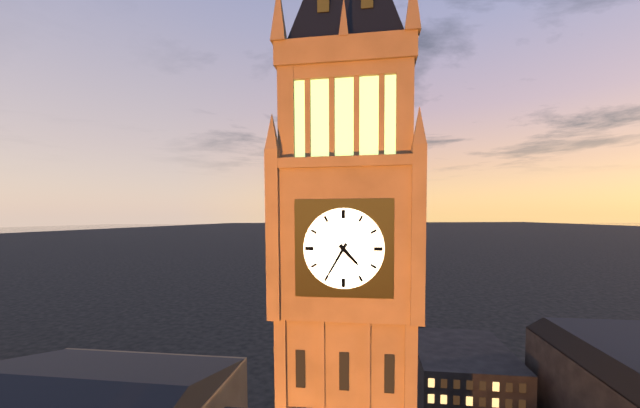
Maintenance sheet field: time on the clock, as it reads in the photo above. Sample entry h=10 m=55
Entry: h=4 m=35
